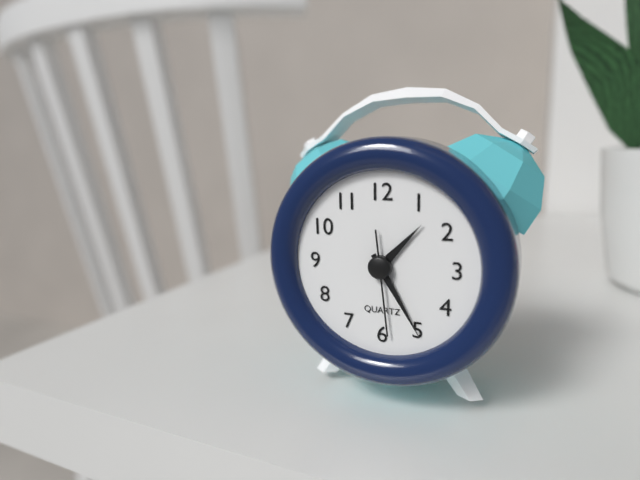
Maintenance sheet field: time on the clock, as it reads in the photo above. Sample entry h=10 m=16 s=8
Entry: h=1 m=25 s=29
